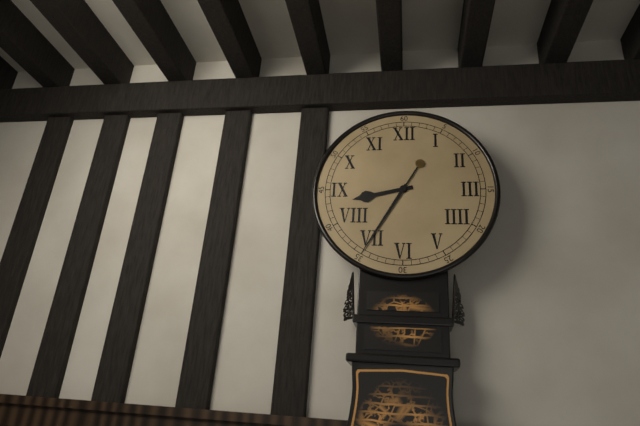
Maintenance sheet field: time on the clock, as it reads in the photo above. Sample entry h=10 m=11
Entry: h=8 m=35
